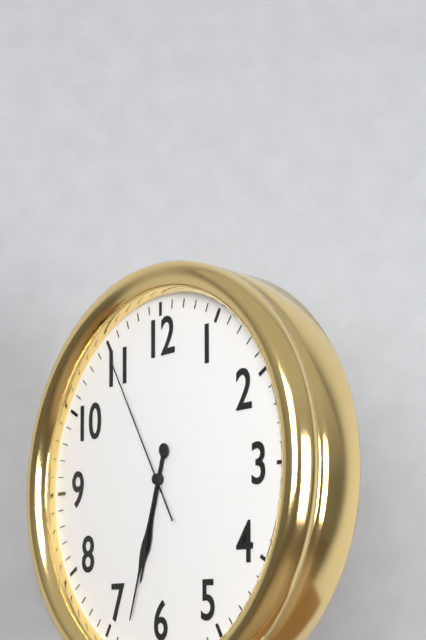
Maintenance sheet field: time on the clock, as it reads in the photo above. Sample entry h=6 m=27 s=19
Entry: h=6 m=33 s=55
